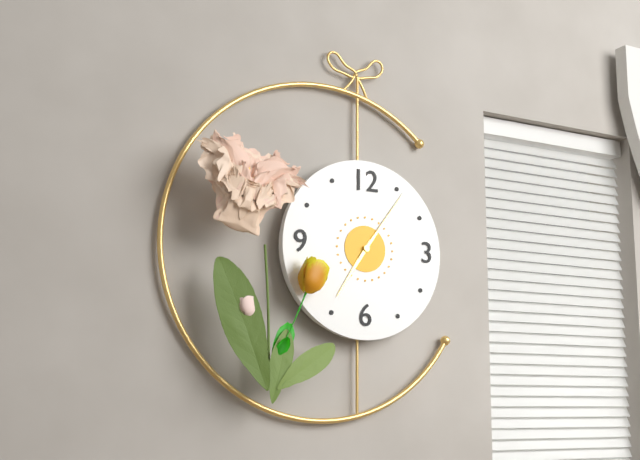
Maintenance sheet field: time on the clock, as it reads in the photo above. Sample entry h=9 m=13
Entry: h=7 m=6
